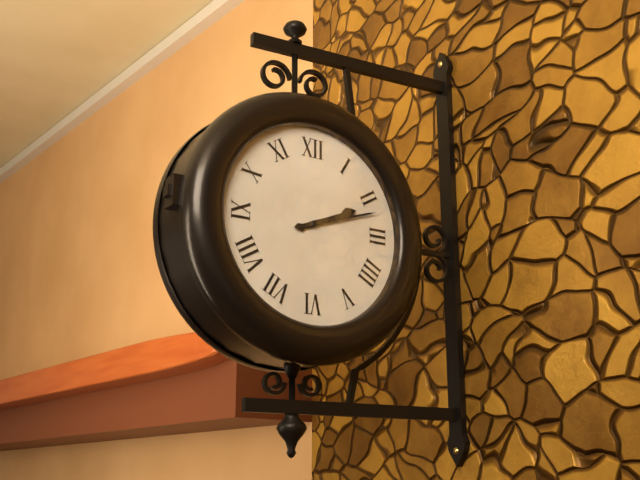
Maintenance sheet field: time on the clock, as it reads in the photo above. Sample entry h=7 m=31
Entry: h=2 m=12
